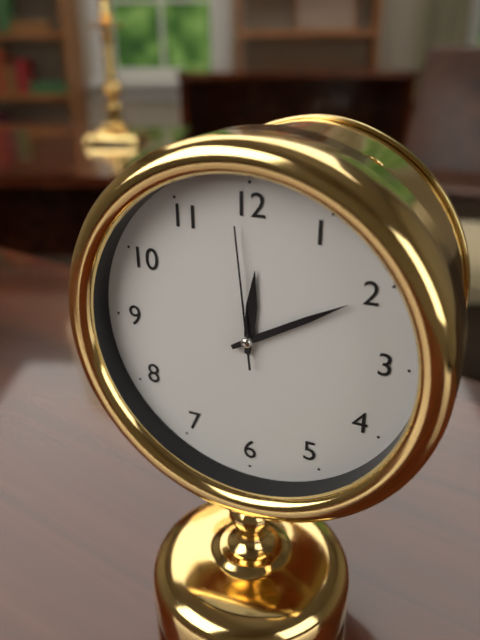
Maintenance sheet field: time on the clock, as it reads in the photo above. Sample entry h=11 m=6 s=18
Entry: h=12 m=10 s=59
